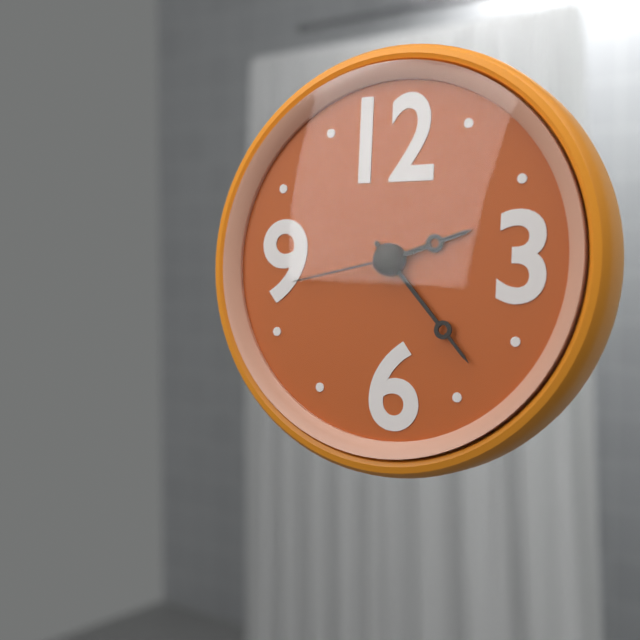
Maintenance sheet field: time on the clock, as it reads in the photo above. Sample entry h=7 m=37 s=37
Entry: h=2 m=23 s=43
